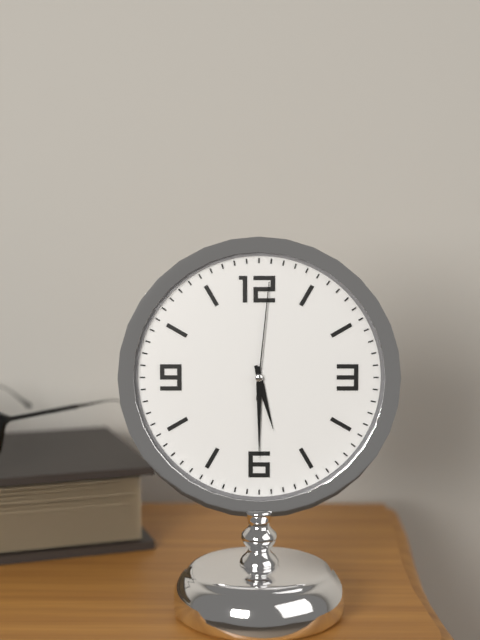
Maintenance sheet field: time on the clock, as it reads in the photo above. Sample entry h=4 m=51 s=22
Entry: h=5 m=30 s=1
